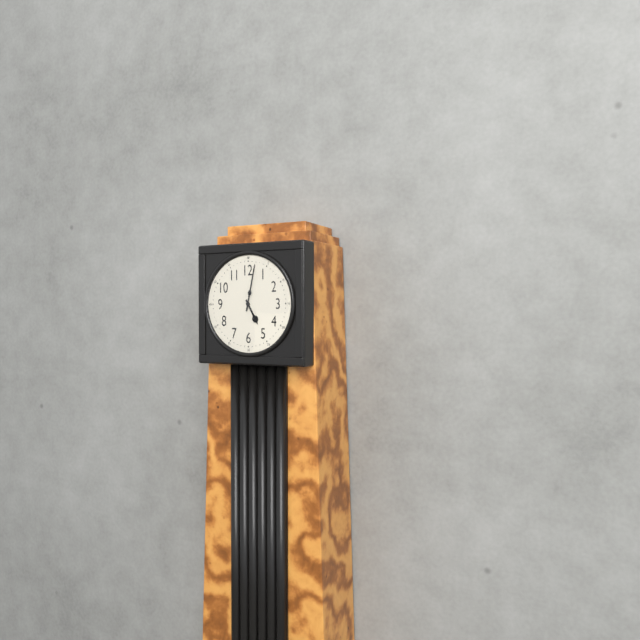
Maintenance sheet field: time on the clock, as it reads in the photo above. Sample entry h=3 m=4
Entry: h=5 m=2
